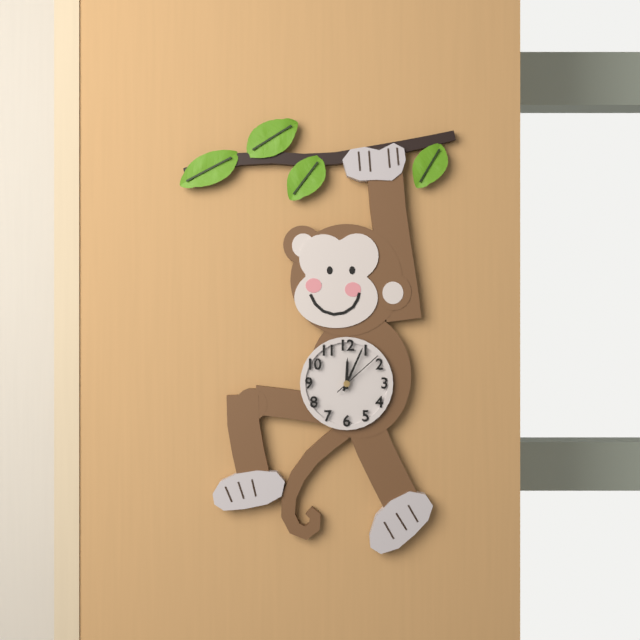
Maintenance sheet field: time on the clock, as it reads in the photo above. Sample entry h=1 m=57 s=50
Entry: h=12 m=4 s=8
